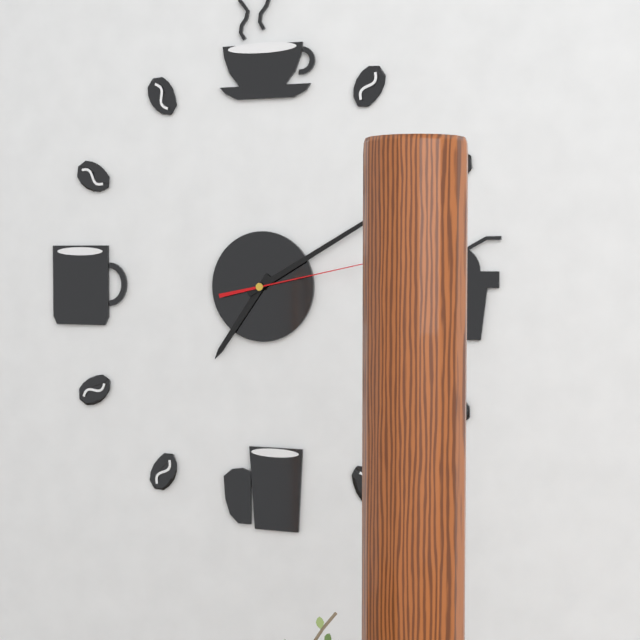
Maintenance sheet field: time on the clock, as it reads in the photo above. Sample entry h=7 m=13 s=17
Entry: h=7 m=10 s=13
